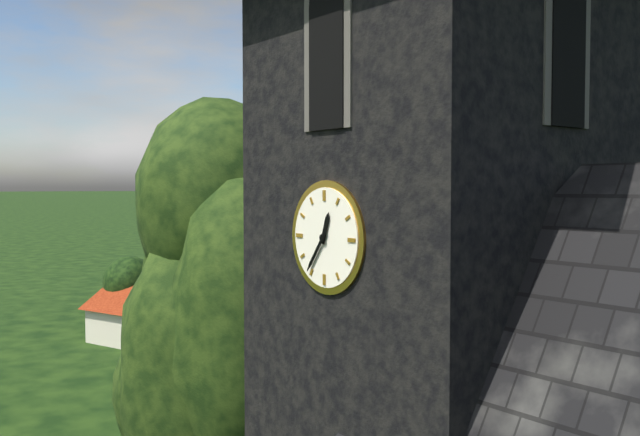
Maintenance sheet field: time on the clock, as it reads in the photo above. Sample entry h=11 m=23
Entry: h=12 m=36
